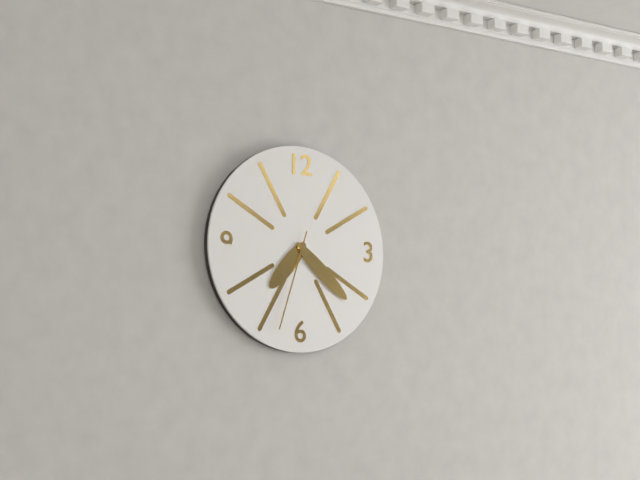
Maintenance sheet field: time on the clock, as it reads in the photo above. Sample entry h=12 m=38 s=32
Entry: h=7 m=22 s=33
